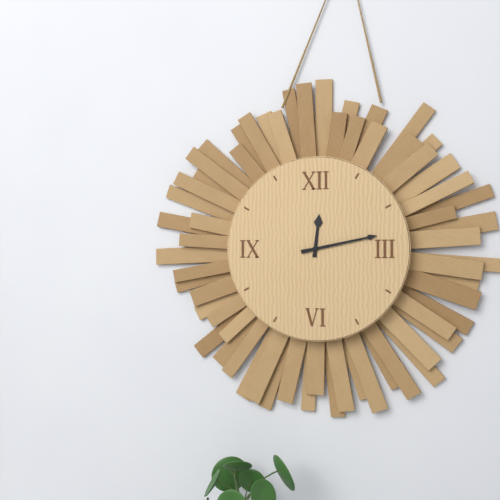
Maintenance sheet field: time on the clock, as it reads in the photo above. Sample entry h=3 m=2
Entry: h=12 m=13
